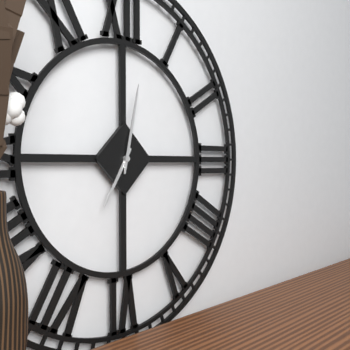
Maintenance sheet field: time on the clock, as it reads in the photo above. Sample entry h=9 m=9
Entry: h=7 m=2
